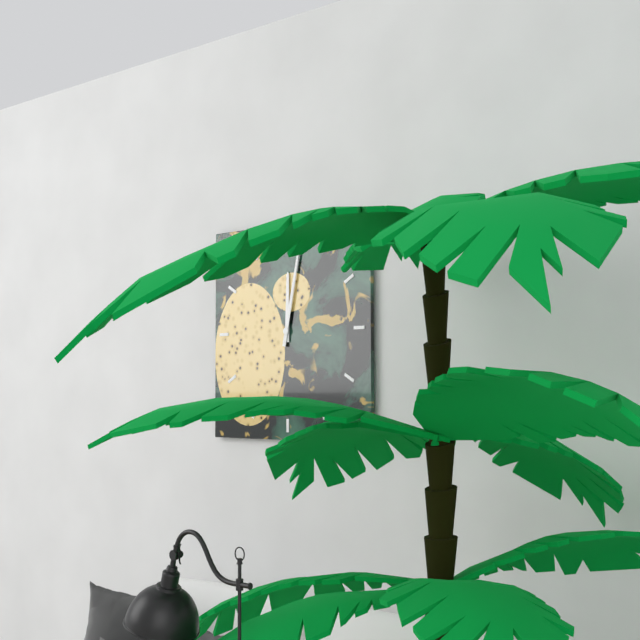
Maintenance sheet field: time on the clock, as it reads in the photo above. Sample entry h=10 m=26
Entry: h=12 m=2
